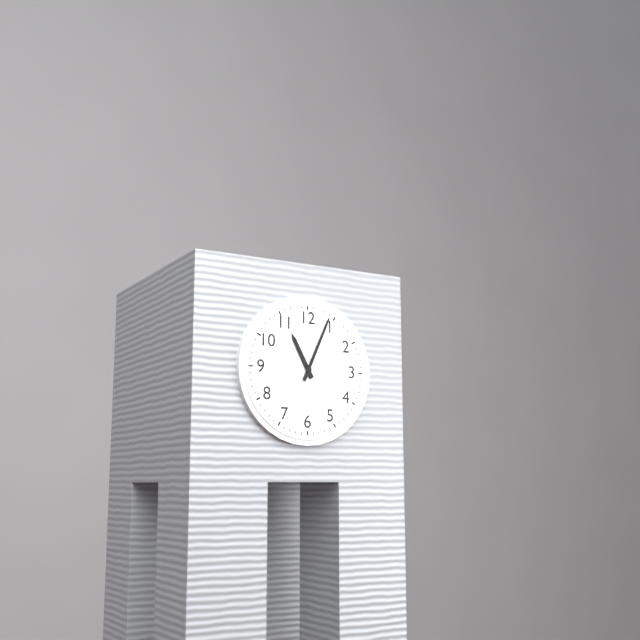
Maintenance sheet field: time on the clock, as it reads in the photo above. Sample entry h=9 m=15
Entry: h=11 m=4
